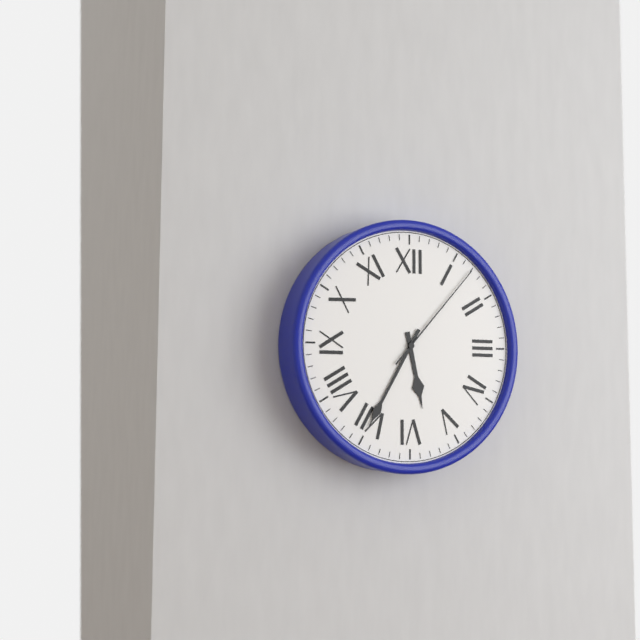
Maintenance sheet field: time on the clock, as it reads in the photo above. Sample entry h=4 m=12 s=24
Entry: h=5 m=35 s=7
